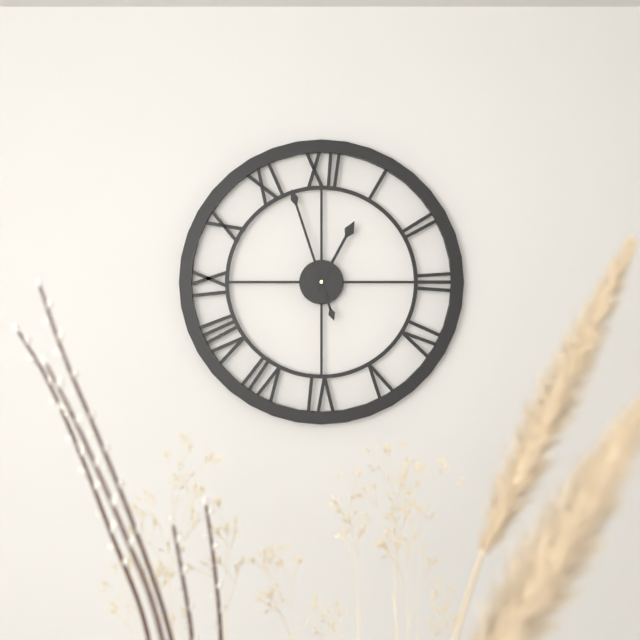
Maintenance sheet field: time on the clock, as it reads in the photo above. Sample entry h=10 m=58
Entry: h=12 m=57
